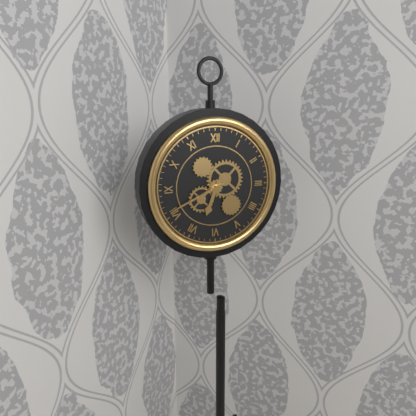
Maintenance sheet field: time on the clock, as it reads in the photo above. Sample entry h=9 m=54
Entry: h=6 m=41
